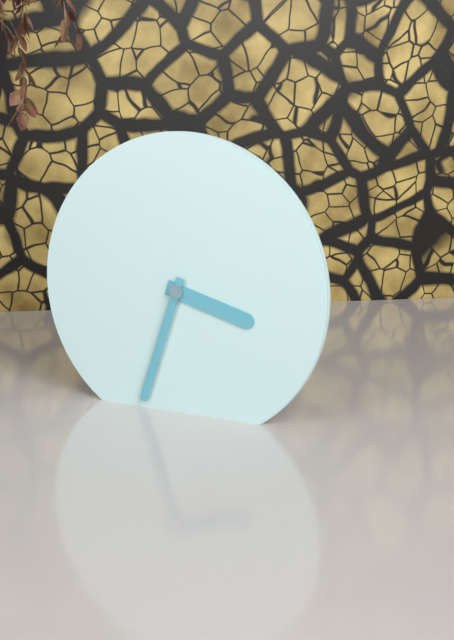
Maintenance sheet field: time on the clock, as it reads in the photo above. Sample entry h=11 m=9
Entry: h=3 m=33
